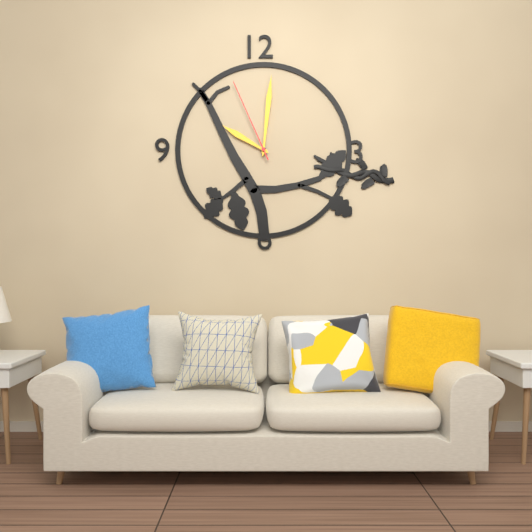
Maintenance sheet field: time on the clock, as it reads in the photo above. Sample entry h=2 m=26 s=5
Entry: h=10 m=1 s=56
